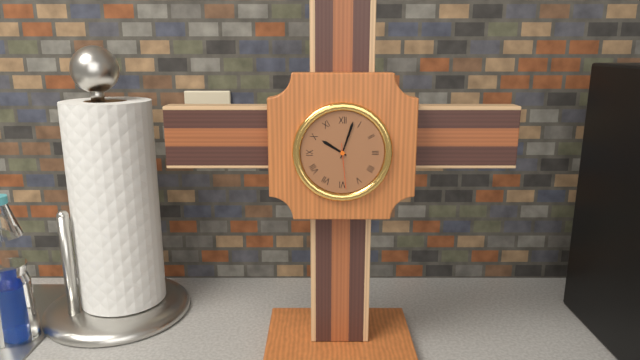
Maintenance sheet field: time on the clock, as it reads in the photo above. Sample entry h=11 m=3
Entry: h=10 m=3
